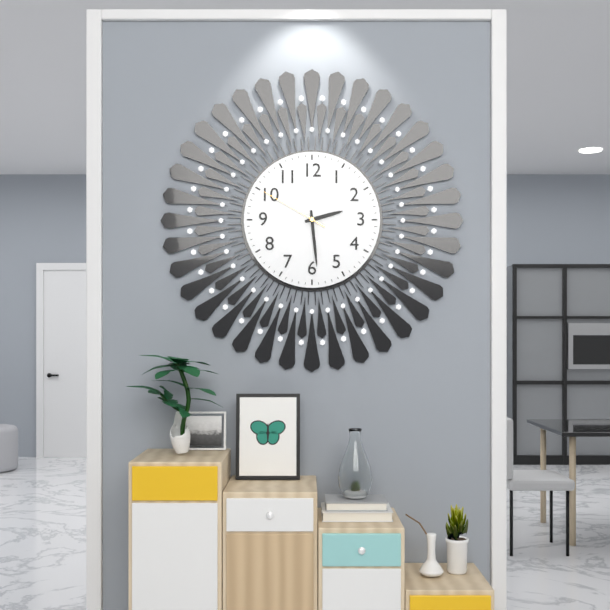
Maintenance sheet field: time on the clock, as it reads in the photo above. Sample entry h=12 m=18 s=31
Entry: h=2 m=29 s=50
